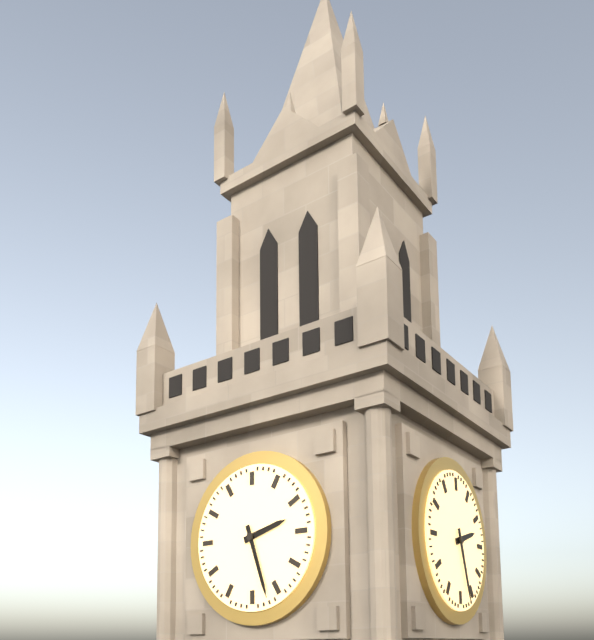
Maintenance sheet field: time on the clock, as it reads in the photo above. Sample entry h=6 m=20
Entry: h=2 m=27
